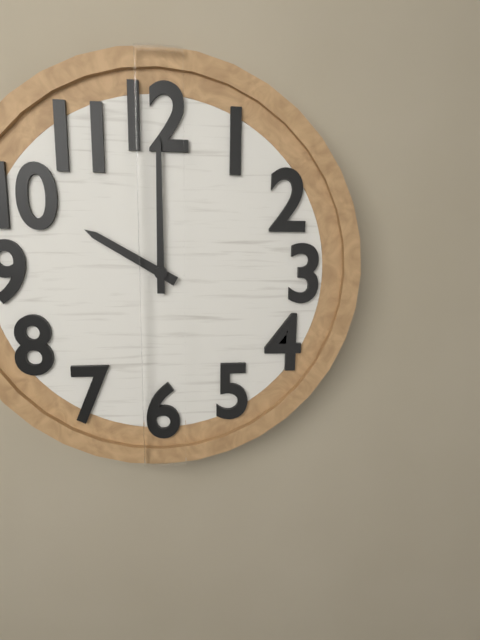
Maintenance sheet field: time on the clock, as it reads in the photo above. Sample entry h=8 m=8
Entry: h=10 m=0
